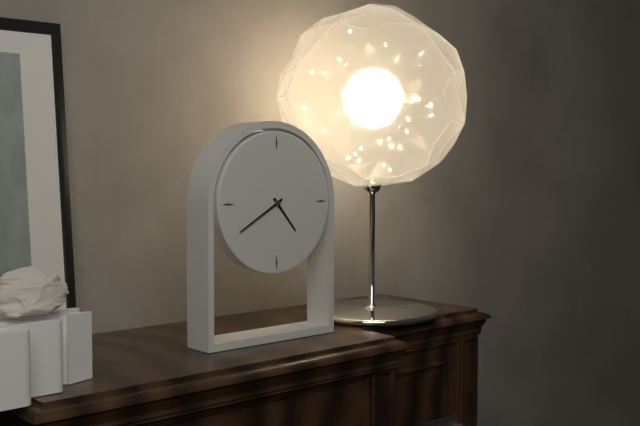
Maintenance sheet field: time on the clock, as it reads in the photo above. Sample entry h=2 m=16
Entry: h=4 m=40
